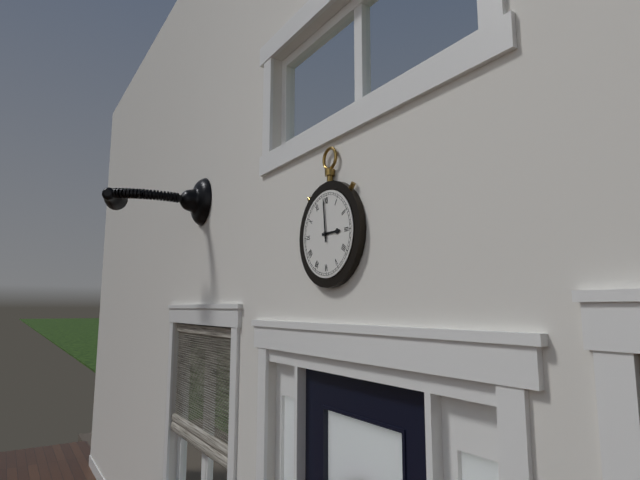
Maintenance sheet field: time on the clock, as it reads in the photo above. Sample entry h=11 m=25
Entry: h=2 m=59
